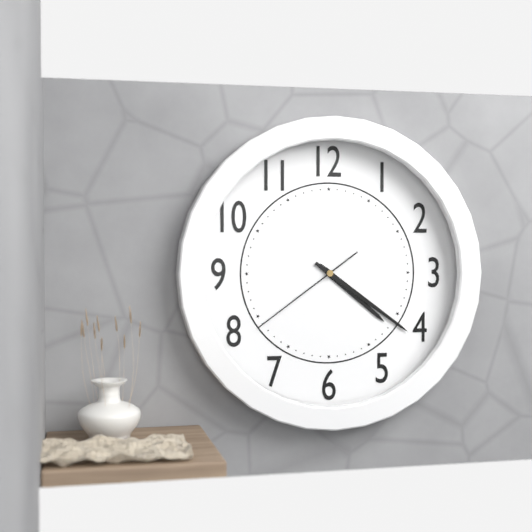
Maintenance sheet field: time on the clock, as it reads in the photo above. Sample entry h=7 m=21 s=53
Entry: h=4 m=21 s=39
